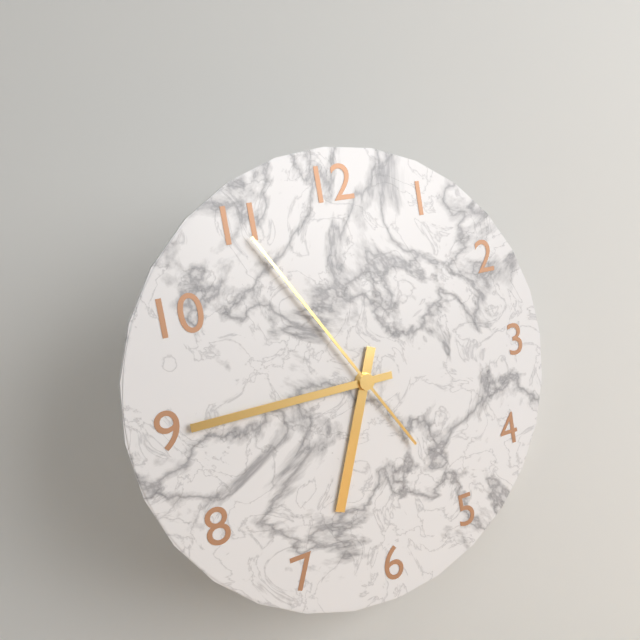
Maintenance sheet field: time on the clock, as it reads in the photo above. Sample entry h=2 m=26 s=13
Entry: h=6 m=45 s=55
